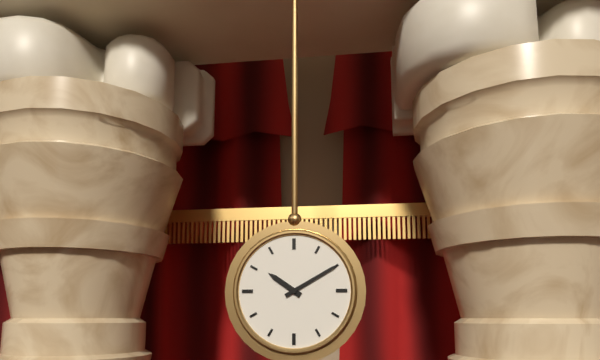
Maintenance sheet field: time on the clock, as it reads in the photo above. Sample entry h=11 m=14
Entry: h=10 m=10
